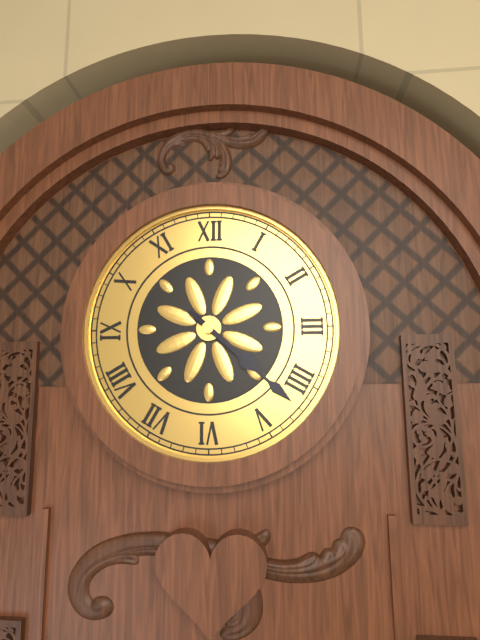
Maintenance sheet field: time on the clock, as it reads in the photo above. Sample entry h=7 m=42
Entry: h=4 m=22
